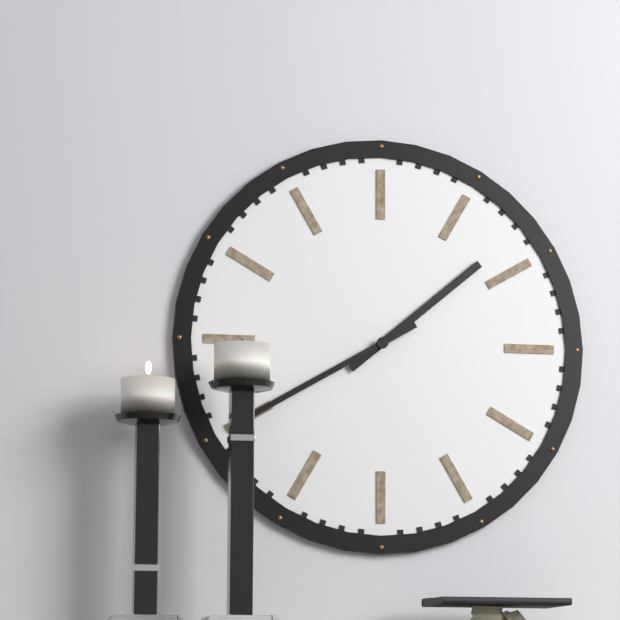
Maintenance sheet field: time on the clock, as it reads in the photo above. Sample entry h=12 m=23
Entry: h=1 m=40
